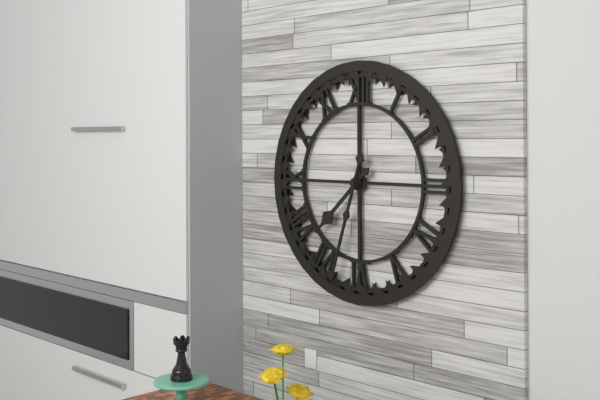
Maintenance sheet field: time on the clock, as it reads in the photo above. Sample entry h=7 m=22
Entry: h=7 m=33
